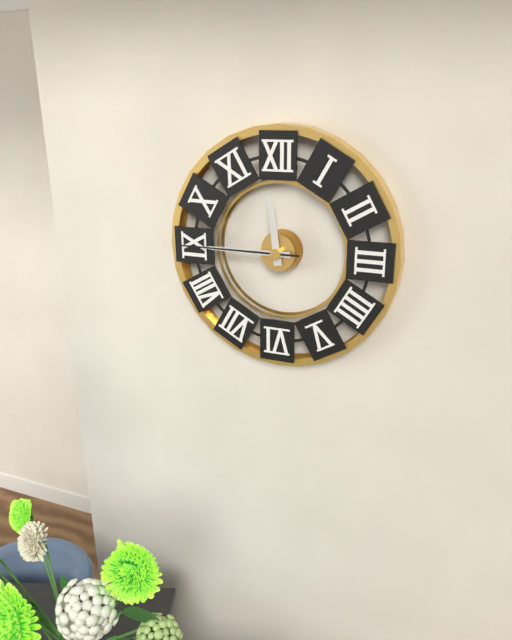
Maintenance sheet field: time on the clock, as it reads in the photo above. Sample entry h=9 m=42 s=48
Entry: h=11 m=45 s=45
